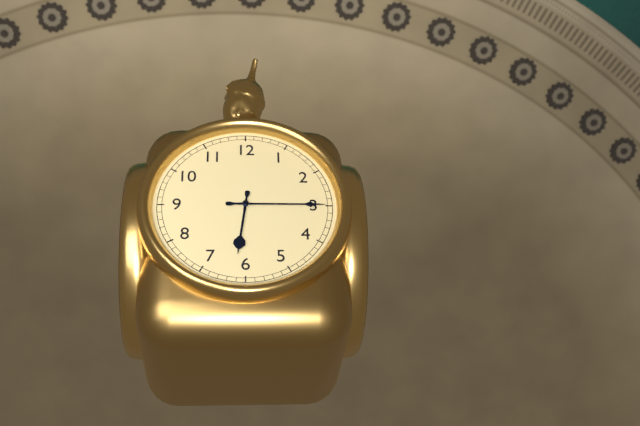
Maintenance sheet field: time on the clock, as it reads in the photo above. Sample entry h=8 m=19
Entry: h=6 m=15
